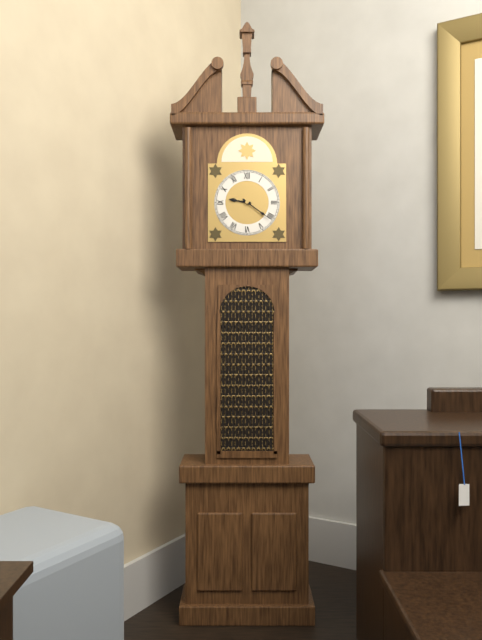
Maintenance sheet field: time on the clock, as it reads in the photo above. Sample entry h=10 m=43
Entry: h=9 m=21
